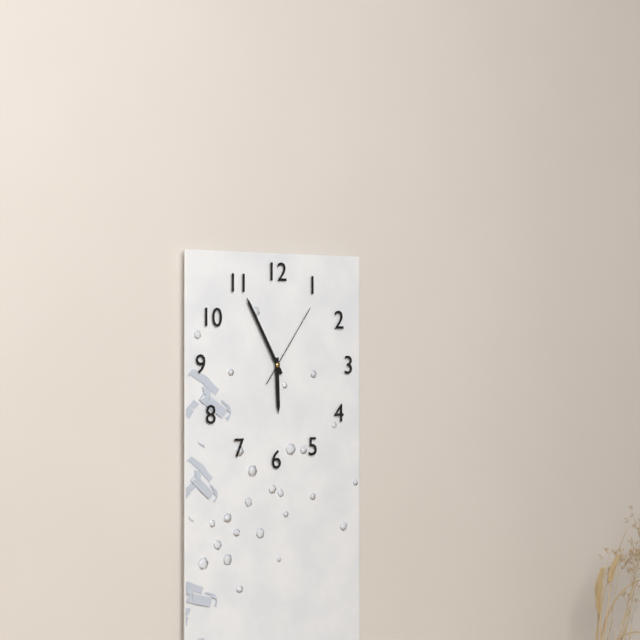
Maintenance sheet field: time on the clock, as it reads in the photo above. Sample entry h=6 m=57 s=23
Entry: h=5 m=55 s=6
